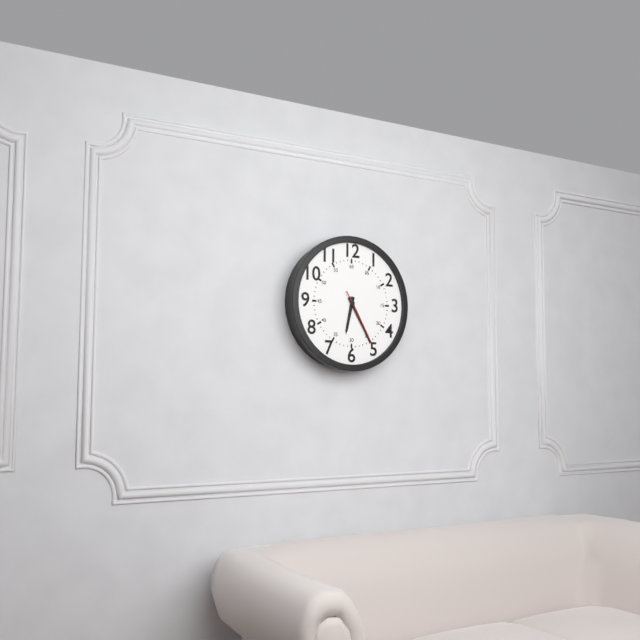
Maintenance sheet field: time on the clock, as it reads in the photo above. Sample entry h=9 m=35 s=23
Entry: h=6 m=25 s=25
